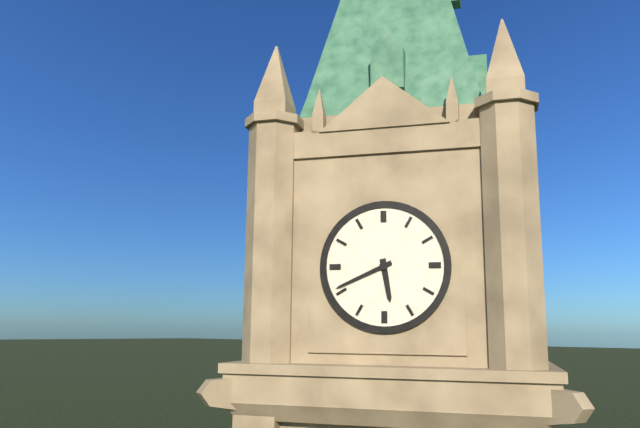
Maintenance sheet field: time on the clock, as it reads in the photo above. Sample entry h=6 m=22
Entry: h=5 m=41
